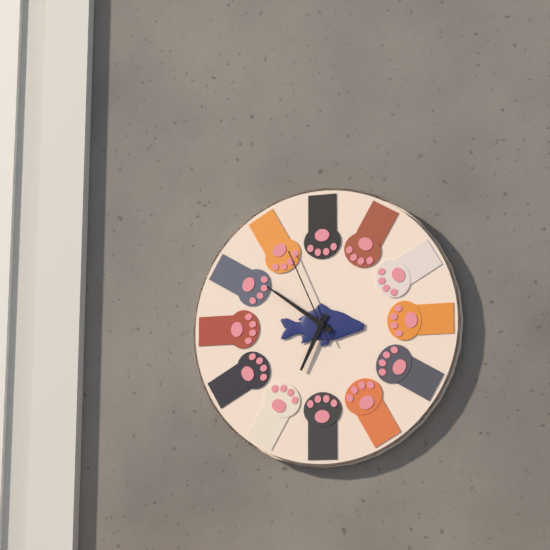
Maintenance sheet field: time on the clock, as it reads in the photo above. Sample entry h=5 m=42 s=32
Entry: h=6 m=51 s=56
